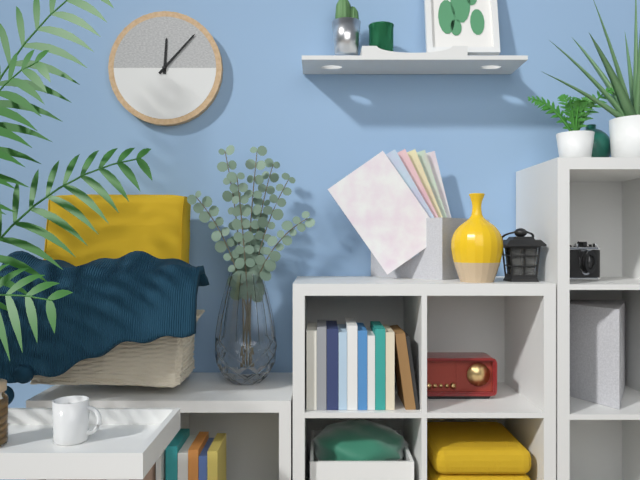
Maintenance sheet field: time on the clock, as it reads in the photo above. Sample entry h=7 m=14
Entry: h=12 m=7
